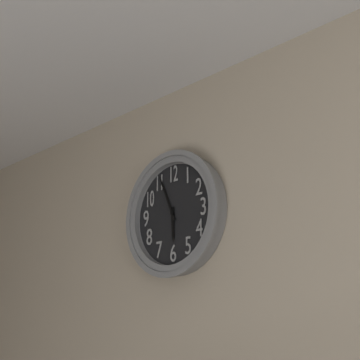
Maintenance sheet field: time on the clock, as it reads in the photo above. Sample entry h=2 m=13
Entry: h=5 m=56
